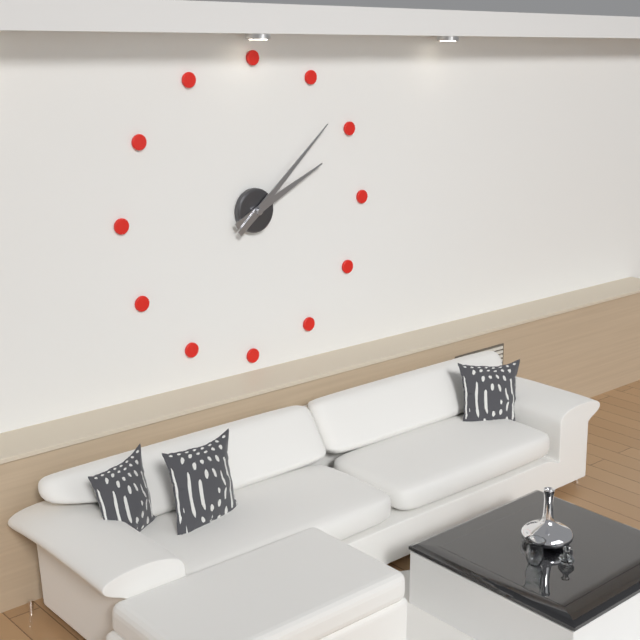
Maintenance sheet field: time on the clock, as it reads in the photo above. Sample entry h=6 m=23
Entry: h=2 m=8
